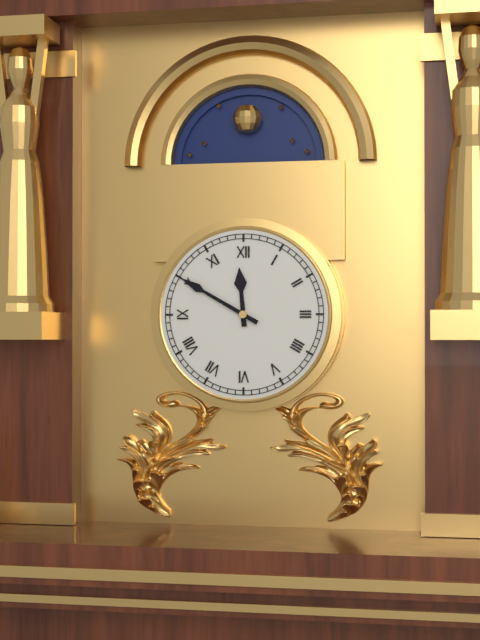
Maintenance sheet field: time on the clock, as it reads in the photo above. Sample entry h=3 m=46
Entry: h=11 m=50
